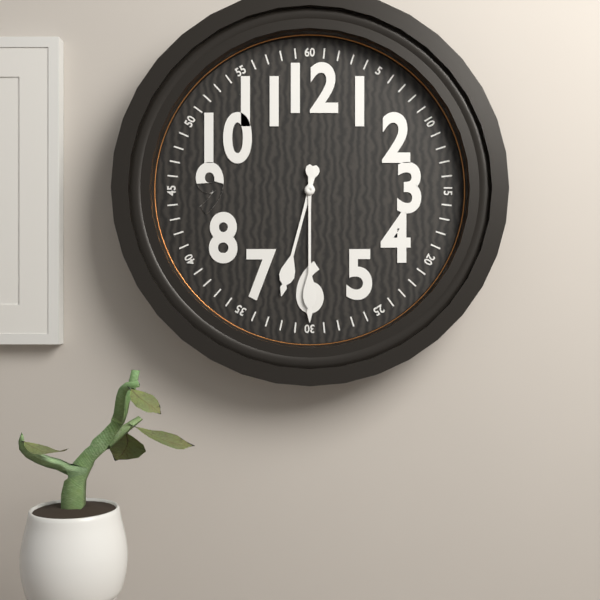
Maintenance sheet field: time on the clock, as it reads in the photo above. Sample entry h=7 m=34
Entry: h=6 m=30
